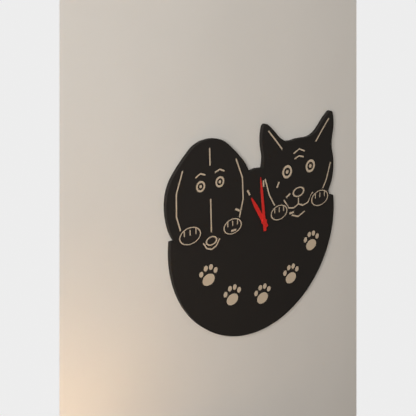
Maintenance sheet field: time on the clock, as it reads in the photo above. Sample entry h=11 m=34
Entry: h=10 m=59
